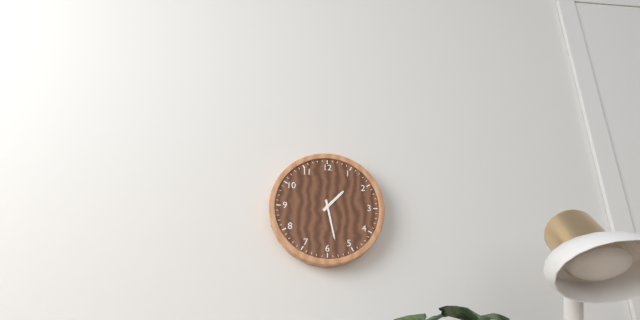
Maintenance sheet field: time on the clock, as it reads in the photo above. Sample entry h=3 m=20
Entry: h=1 m=28
